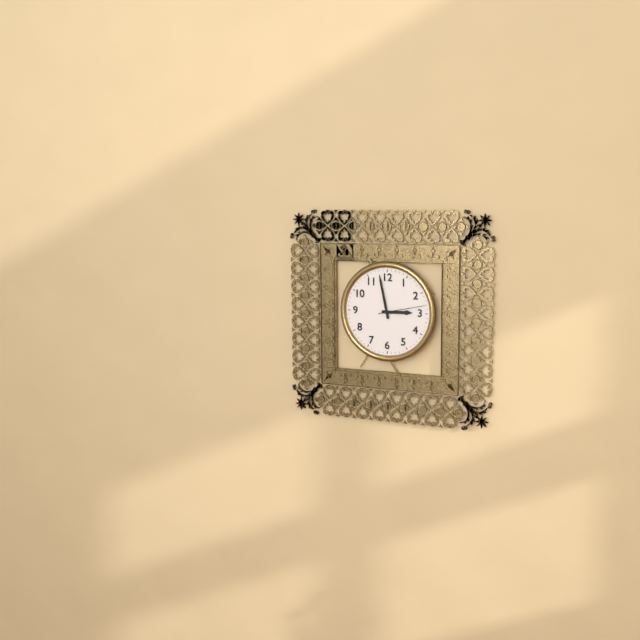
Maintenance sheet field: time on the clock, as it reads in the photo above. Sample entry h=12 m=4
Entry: h=2 m=58
